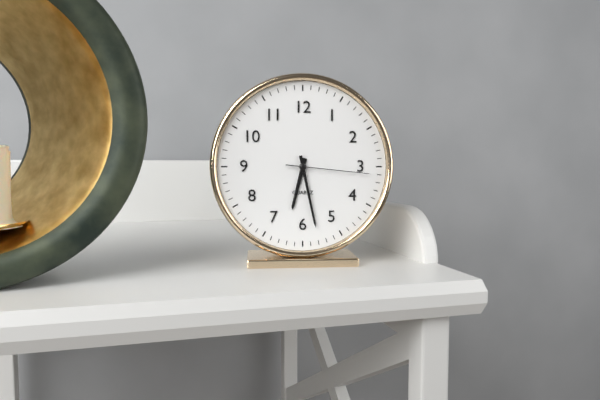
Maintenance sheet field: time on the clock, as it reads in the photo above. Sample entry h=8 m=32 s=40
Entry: h=6 m=28 s=16
